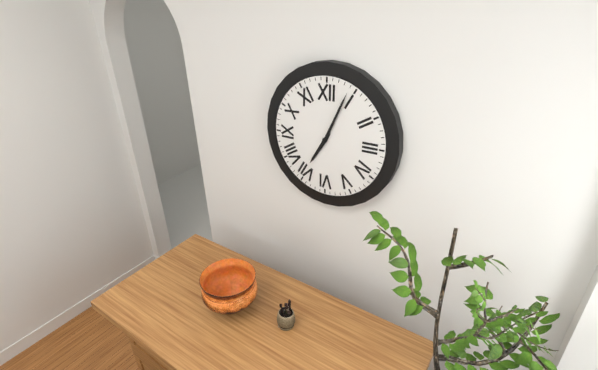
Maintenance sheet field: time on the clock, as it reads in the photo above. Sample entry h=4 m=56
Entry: h=7 m=4
